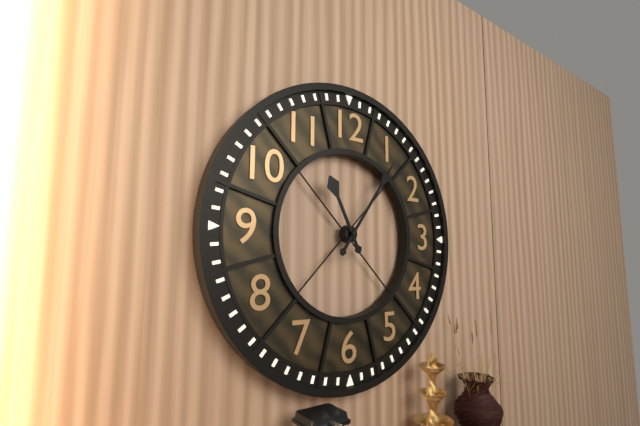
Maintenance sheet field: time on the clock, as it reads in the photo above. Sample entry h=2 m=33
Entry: h=11 m=6
